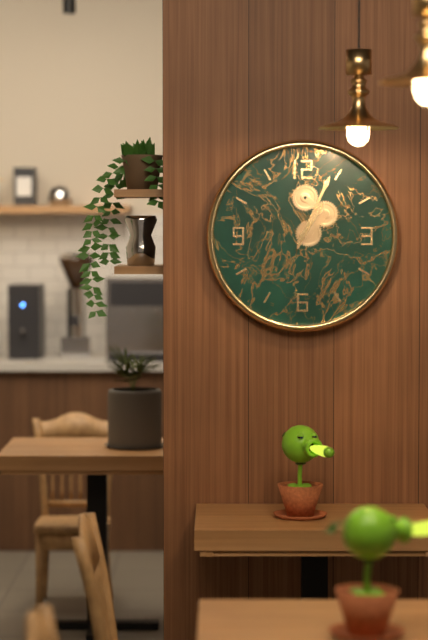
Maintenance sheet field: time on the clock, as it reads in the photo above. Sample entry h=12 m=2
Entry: h=1 m=4
